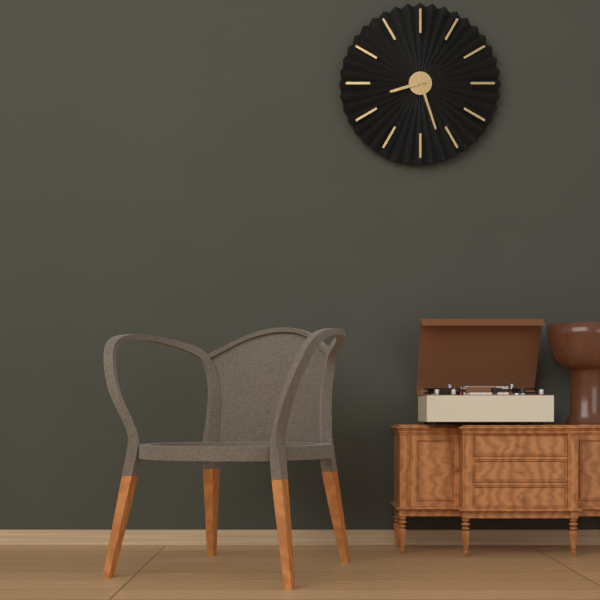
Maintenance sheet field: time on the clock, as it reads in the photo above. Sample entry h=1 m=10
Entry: h=8 m=27
